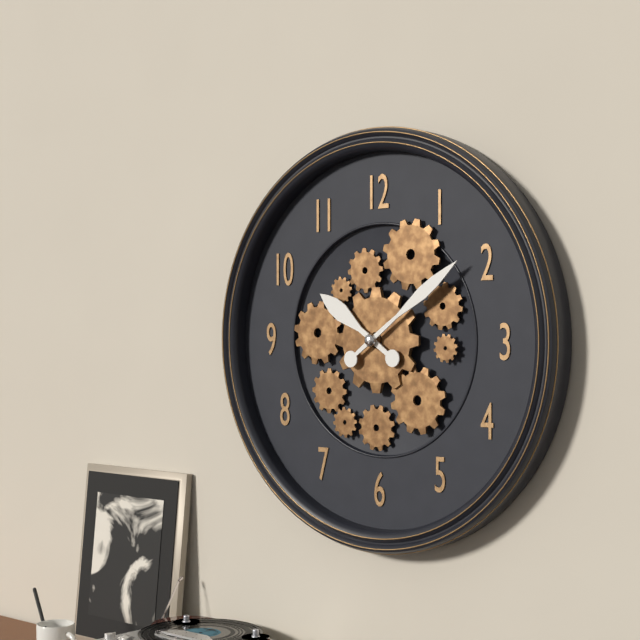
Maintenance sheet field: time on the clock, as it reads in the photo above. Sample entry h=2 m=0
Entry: h=10 m=9
